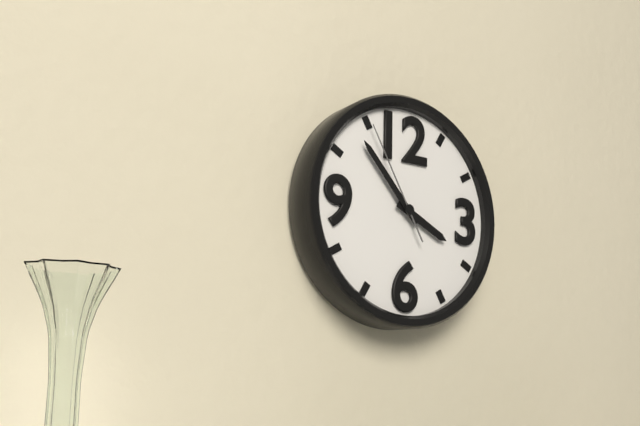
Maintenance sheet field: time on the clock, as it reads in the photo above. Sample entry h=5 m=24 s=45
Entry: h=3 m=53 s=55
